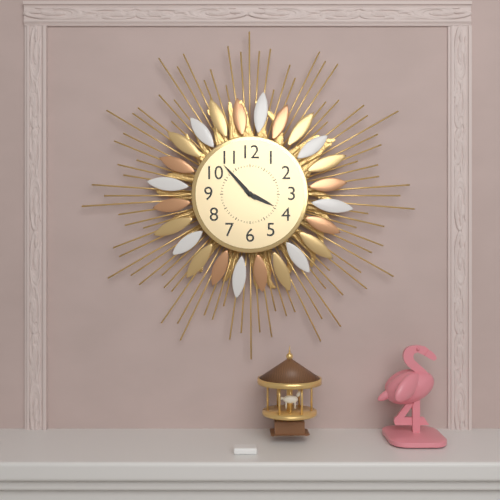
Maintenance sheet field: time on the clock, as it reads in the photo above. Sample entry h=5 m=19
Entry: h=3 m=53
